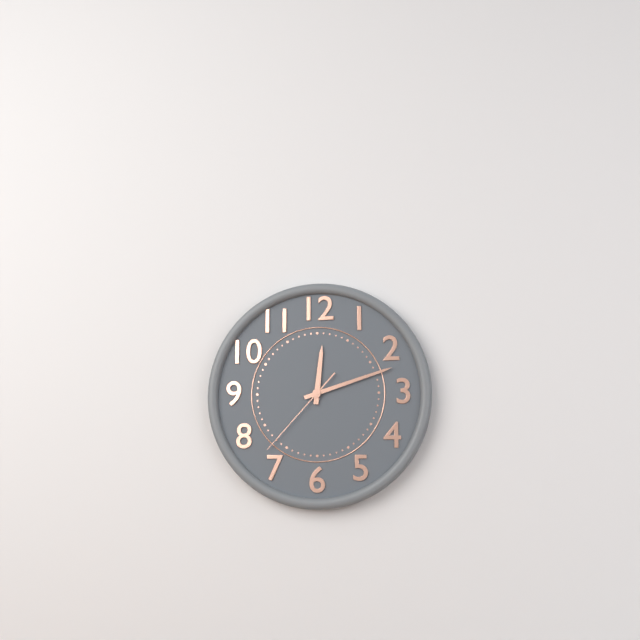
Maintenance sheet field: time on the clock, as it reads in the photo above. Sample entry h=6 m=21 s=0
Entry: h=12 m=12 s=37
